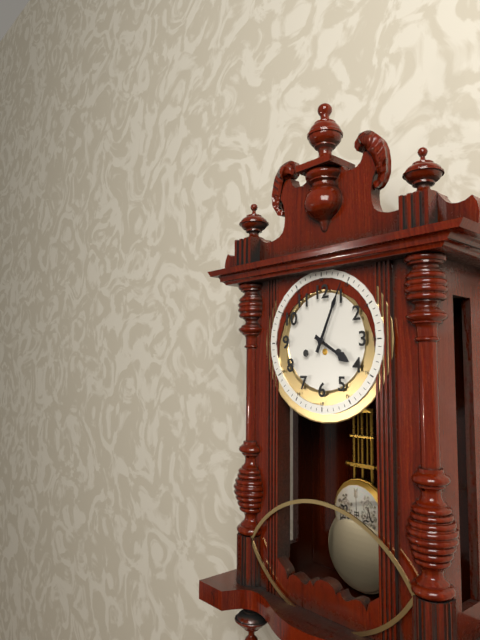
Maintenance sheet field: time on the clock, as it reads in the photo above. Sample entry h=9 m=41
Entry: h=4 m=4
